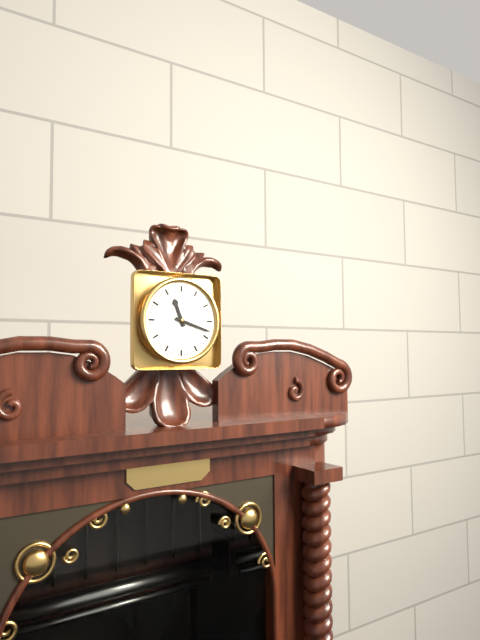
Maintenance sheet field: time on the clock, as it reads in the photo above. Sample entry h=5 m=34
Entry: h=11 m=18
